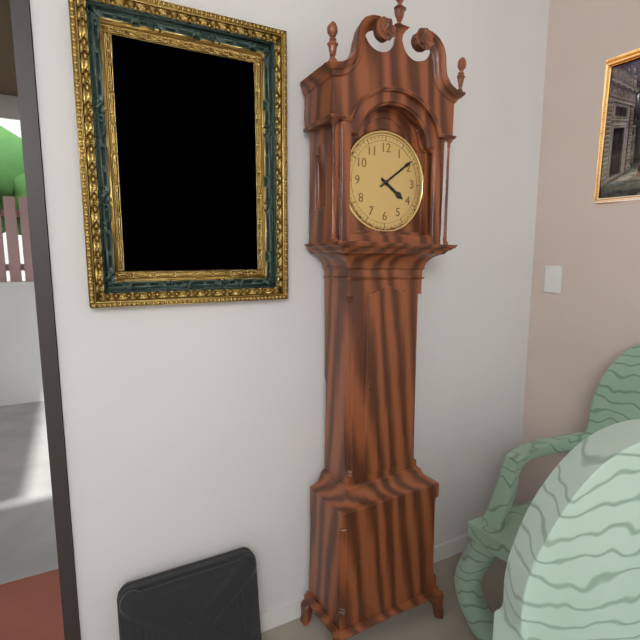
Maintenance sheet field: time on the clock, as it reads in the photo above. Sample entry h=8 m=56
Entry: h=4 m=9
